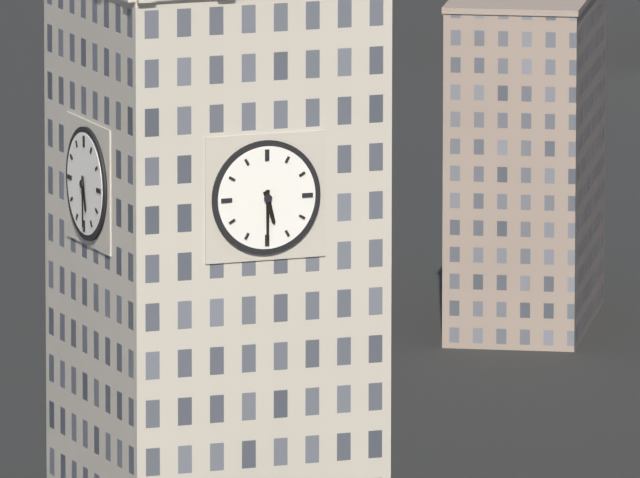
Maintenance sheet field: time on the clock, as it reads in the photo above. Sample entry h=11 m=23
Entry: h=5 m=30
